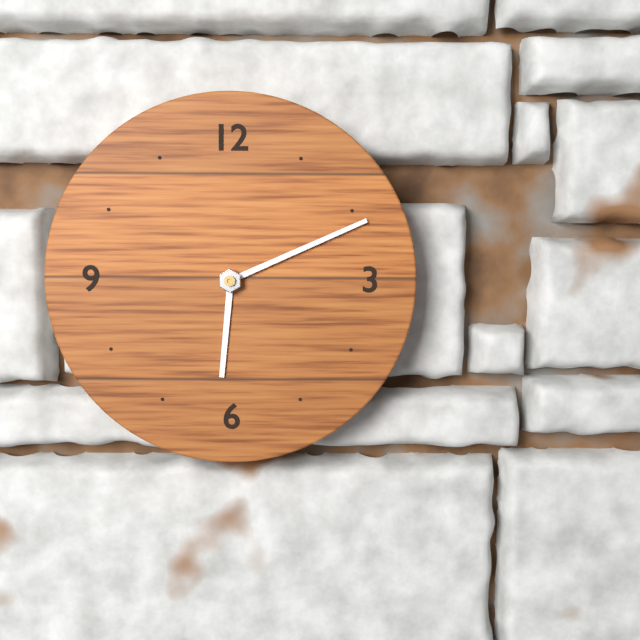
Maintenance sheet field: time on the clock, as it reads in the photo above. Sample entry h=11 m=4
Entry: h=6 m=11
